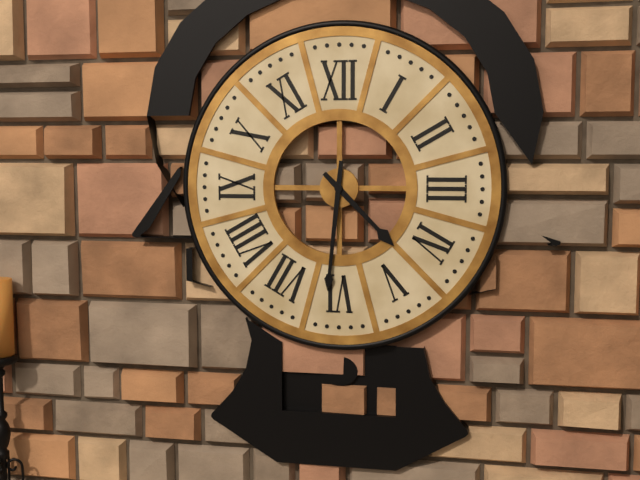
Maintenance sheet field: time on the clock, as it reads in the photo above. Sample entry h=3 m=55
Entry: h=4 m=31
